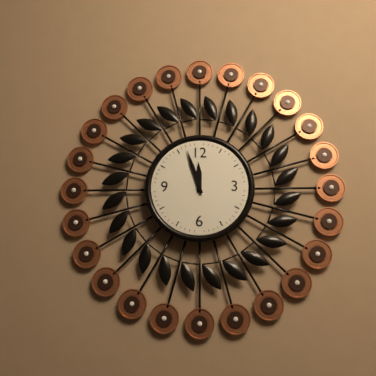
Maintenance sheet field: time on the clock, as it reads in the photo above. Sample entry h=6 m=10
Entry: h=11 m=57
